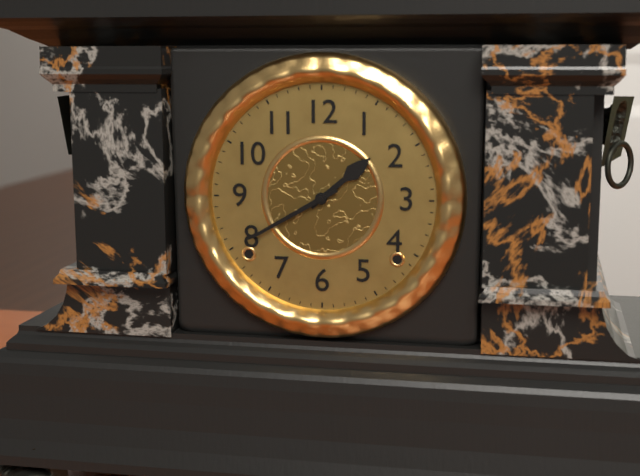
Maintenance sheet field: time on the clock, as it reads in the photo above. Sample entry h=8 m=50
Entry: h=1 m=40
